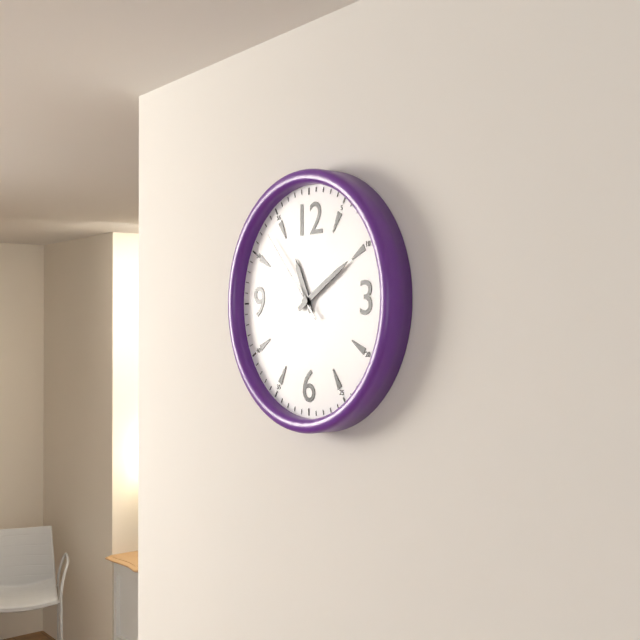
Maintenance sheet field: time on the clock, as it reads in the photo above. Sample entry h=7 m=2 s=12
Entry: h=11 m=10 s=53
